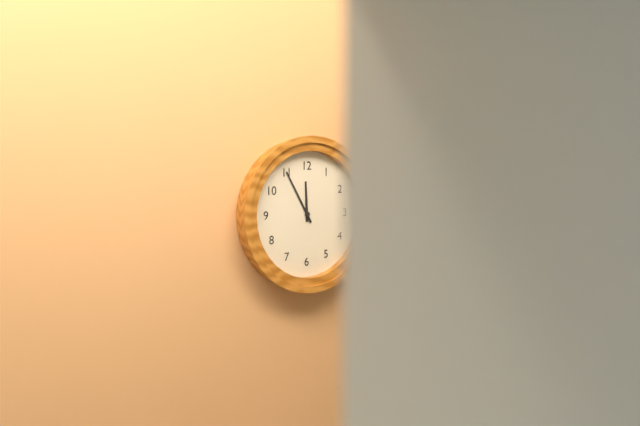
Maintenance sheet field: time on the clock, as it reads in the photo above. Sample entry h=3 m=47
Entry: h=11 m=55
